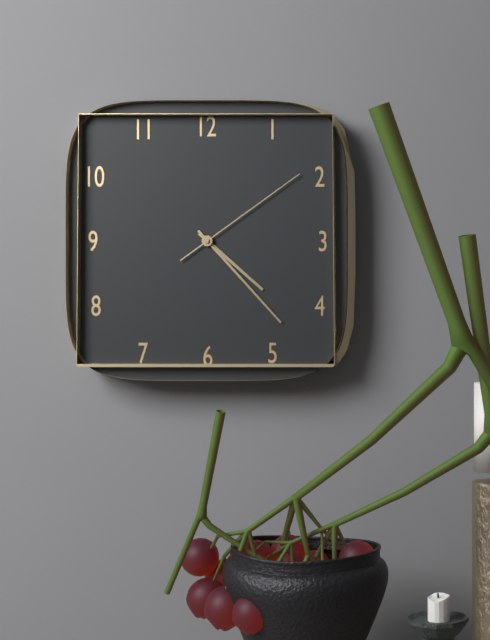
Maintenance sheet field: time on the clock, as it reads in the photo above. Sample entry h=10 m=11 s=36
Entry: h=4 m=23 s=9
